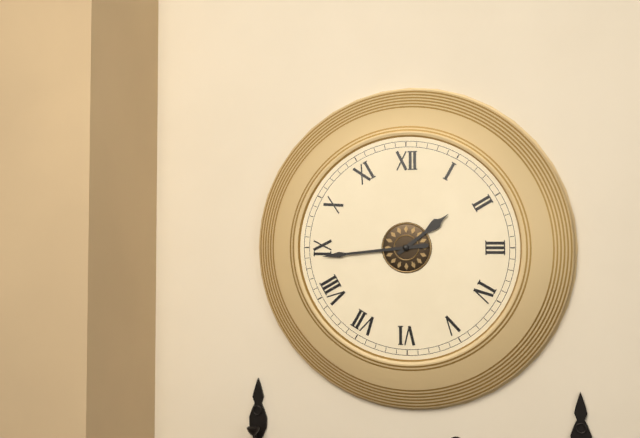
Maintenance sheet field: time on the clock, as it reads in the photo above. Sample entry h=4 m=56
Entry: h=1 m=44
